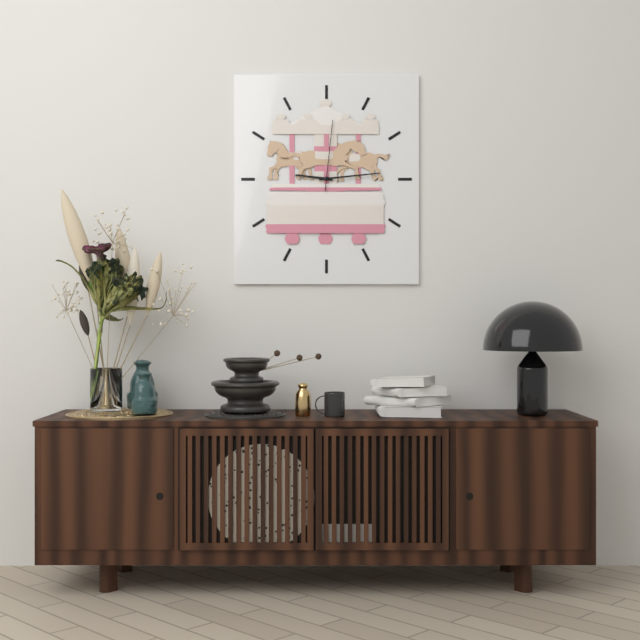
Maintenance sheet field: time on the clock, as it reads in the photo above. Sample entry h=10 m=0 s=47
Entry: h=9 m=14 s=1
